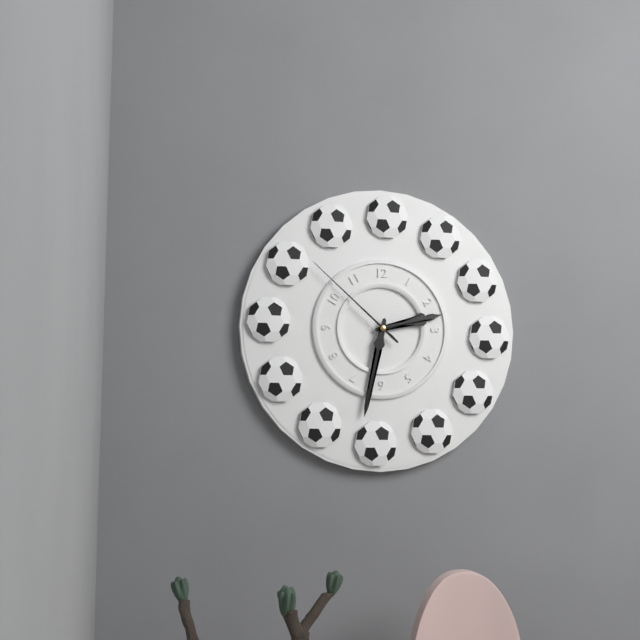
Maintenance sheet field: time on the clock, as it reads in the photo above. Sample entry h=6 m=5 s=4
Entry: h=2 m=32 s=52
